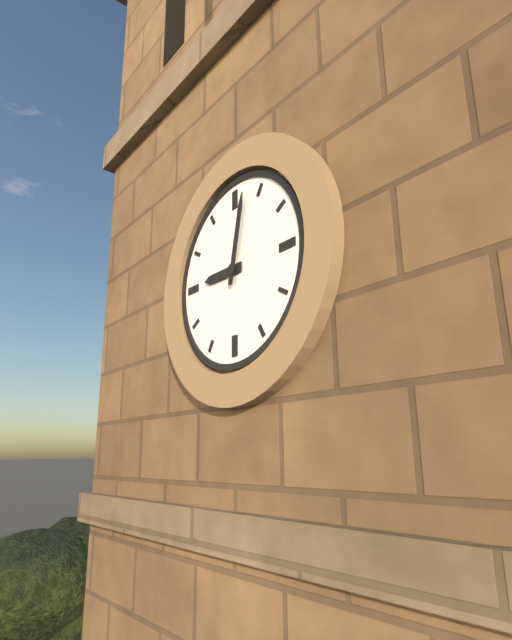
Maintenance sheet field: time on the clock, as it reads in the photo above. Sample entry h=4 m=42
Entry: h=9 m=2
